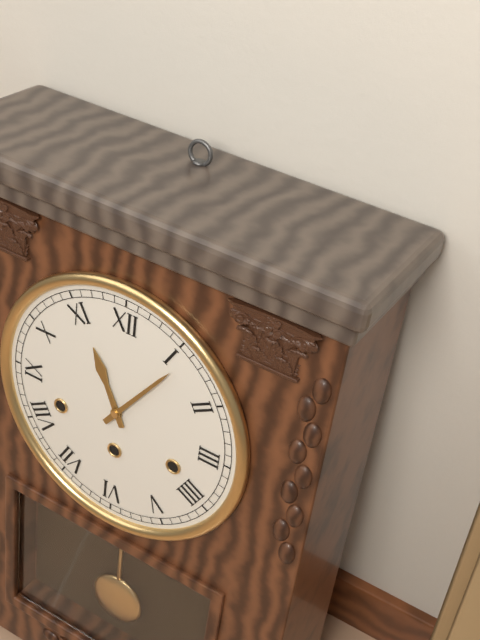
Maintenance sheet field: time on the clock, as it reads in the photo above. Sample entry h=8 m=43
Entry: h=11 m=6
